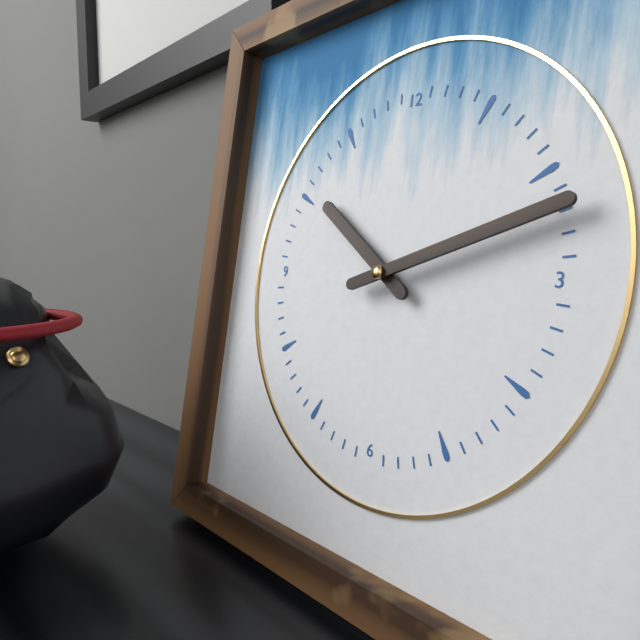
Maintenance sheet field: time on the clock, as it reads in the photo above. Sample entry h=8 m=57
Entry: h=10 m=12
